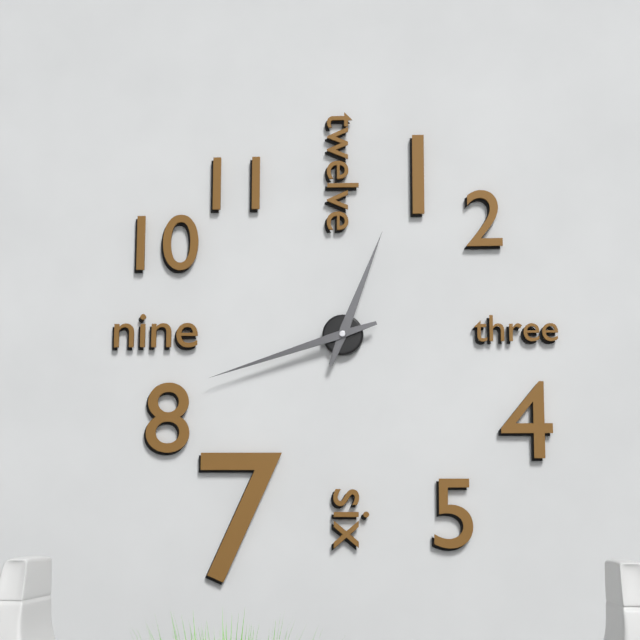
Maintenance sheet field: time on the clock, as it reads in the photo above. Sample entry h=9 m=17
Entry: h=12 m=42
